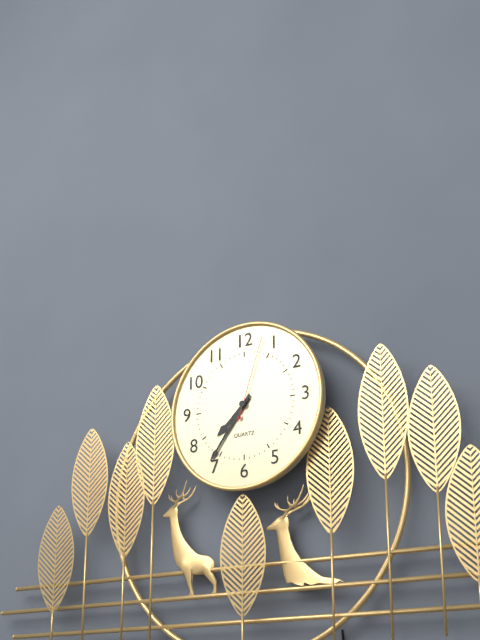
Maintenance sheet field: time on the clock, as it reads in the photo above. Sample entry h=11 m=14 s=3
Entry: h=7 m=36 s=3
